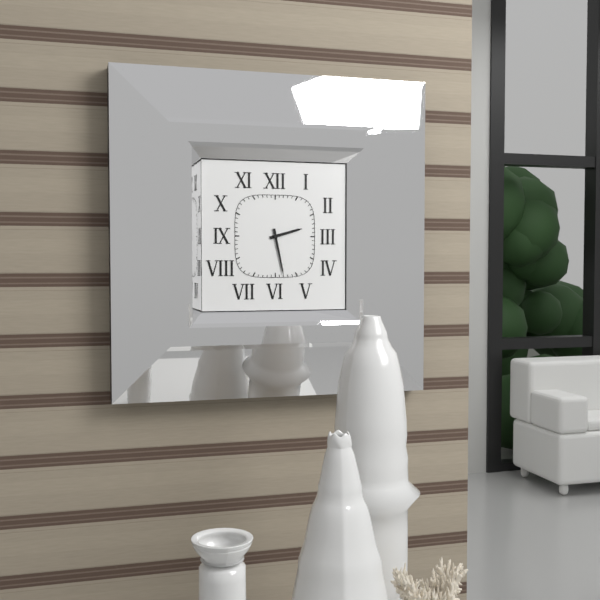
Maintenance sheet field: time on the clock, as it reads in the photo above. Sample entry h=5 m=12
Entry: h=2 m=28
